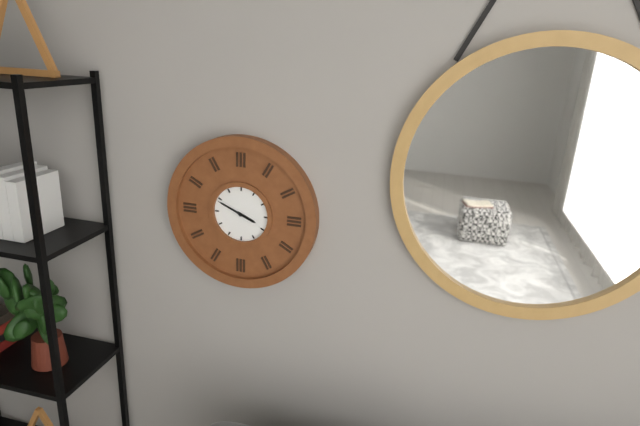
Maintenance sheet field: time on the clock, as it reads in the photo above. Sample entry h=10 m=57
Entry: h=3 m=49
